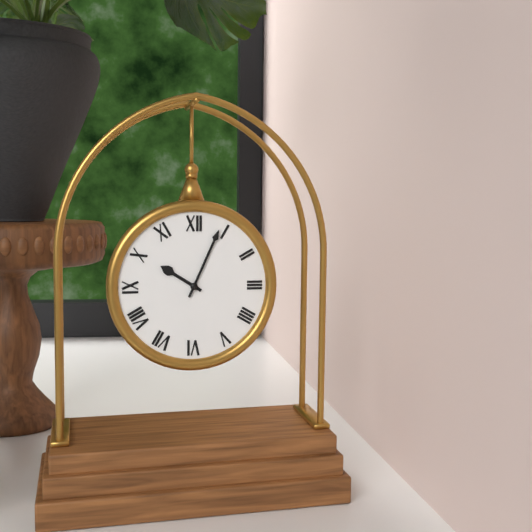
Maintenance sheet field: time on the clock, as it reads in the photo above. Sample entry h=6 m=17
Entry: h=10 m=4
